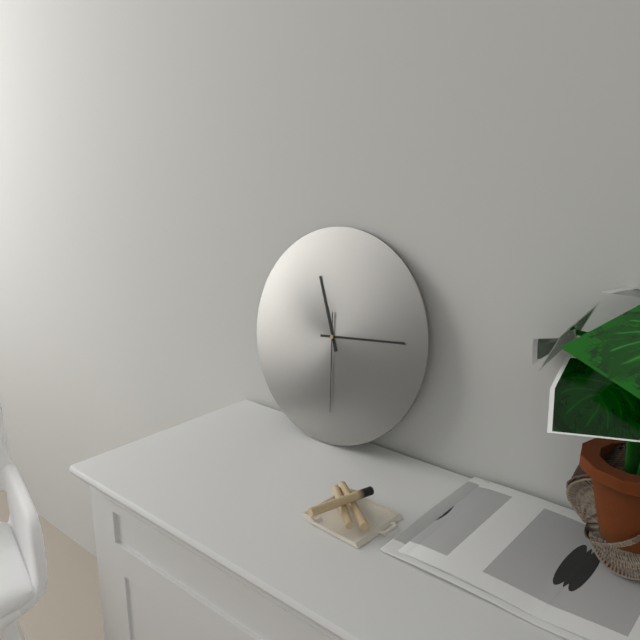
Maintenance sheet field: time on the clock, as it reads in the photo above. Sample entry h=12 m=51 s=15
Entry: h=11 m=14 s=29
